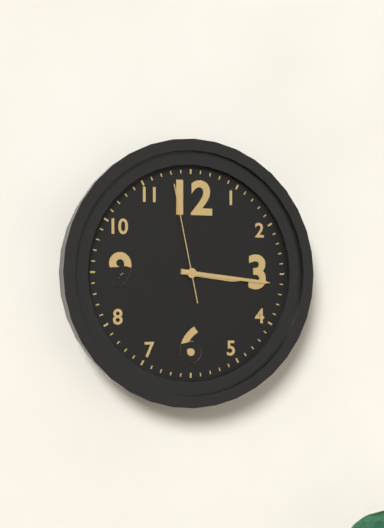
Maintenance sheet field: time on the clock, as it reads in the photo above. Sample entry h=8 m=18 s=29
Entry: h=3 m=16 s=58
